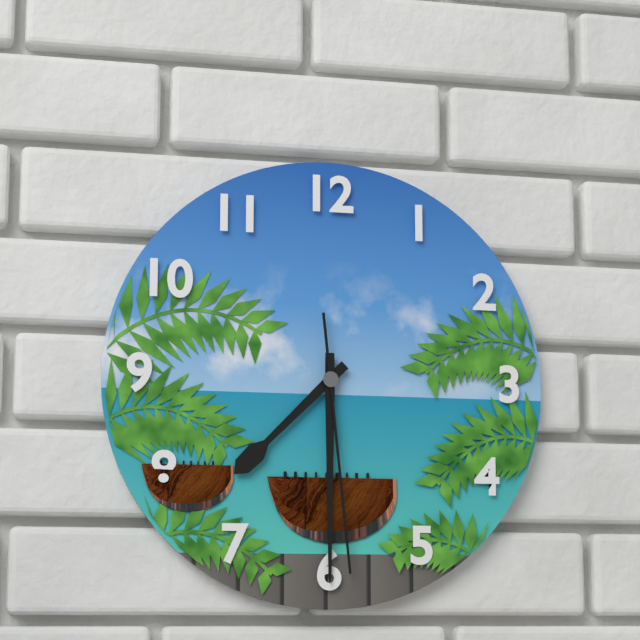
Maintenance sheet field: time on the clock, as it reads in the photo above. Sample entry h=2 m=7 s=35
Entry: h=7 m=30 s=29
